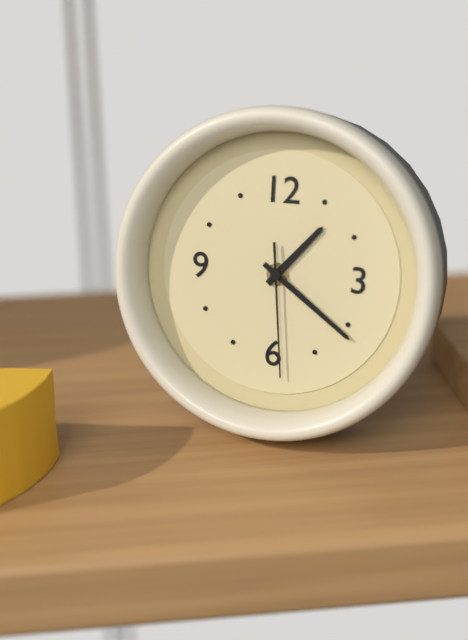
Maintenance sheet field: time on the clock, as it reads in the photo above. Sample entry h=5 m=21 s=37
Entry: h=1 m=21 s=29
